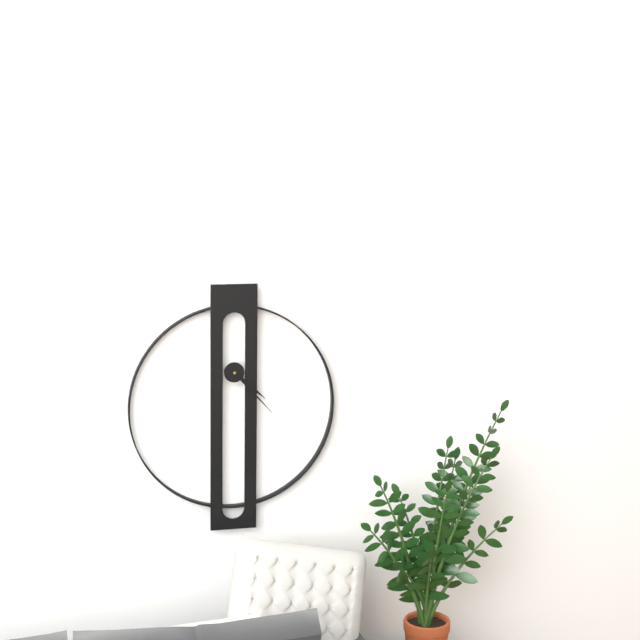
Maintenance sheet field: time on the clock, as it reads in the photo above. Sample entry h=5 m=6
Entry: h=4 m=23
